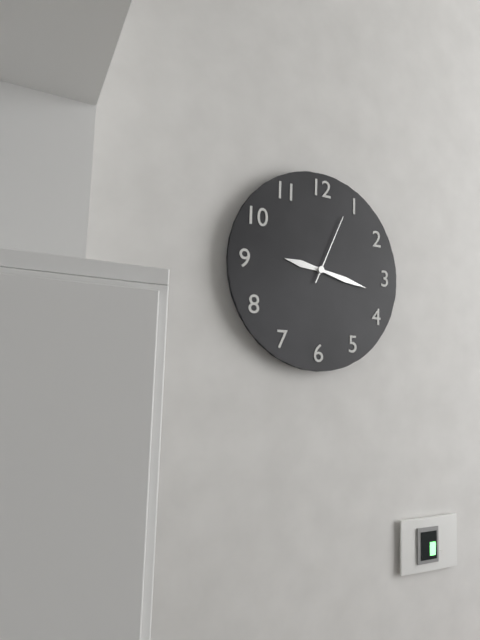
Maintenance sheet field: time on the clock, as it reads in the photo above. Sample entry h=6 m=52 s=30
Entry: h=9 m=17 s=4
